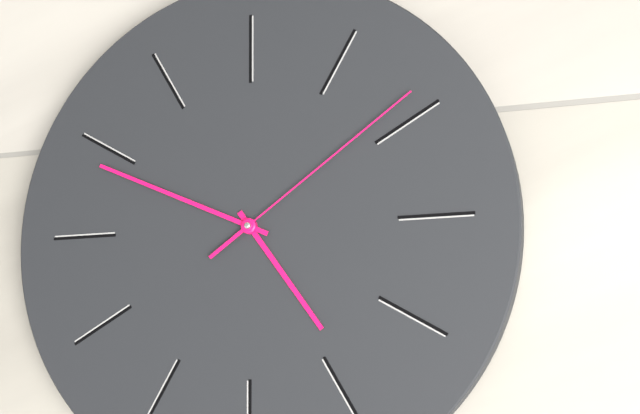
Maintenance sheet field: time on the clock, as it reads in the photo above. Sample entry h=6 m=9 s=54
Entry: h=4 m=49 s=9
